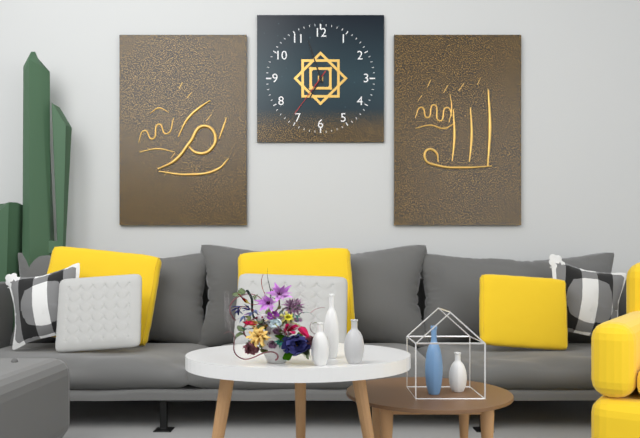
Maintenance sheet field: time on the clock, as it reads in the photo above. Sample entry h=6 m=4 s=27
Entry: h=6 m=57 s=36
